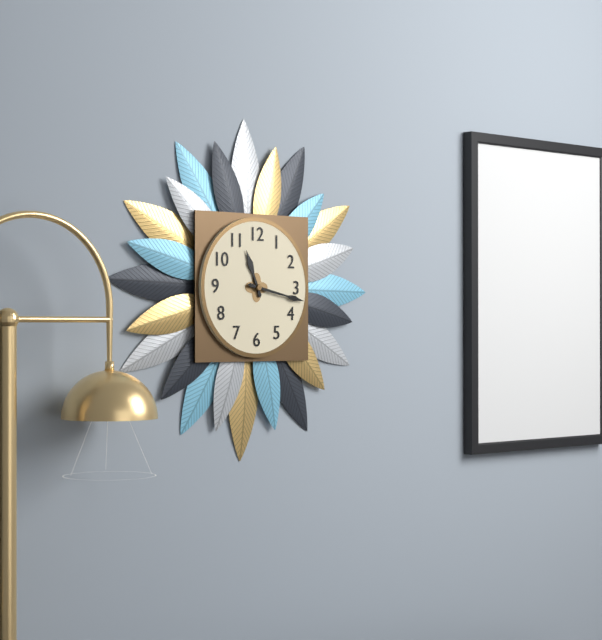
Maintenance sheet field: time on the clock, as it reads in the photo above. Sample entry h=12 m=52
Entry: h=11 m=17
